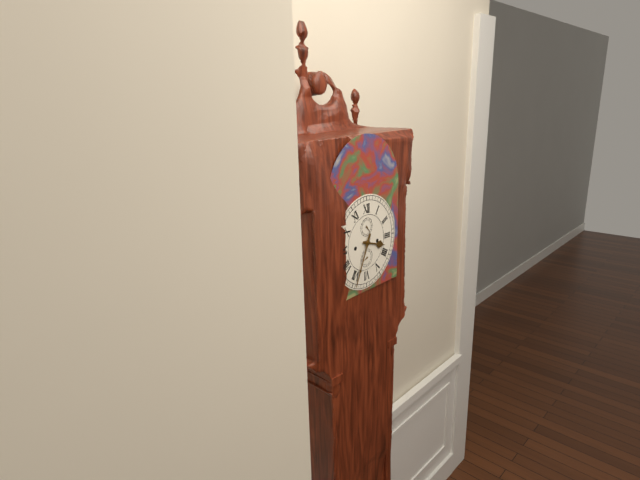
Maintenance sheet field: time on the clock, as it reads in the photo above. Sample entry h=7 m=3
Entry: h=3 m=34
